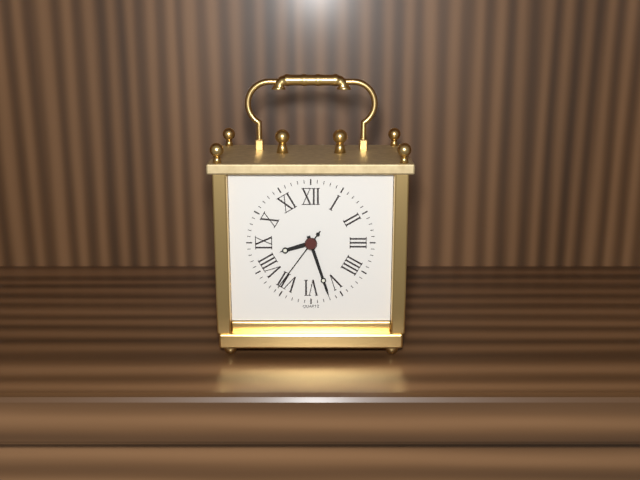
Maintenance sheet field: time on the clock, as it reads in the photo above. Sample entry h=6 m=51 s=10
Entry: h=8 m=27 s=36
